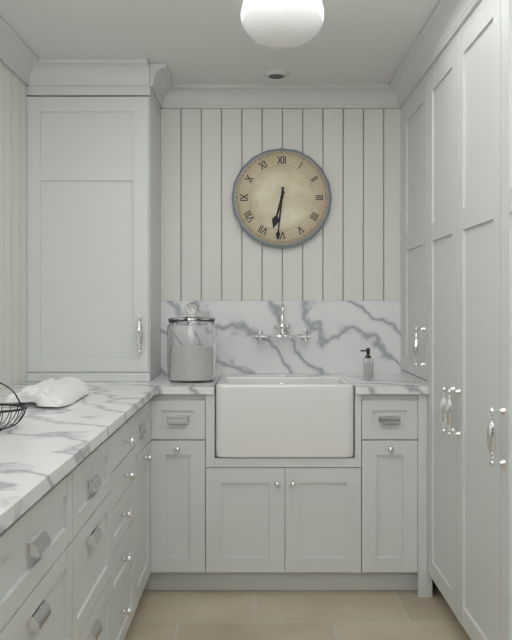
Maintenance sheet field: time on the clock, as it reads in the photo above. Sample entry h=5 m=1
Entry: h=6 m=31
